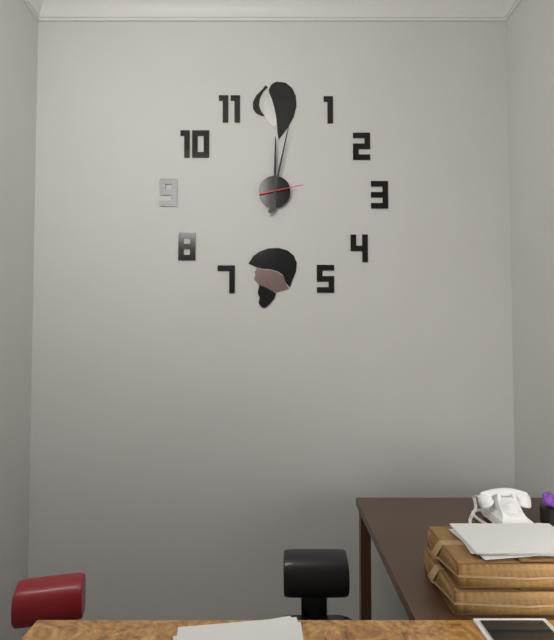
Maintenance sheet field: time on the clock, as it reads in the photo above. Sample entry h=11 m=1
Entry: h=12 m=2
